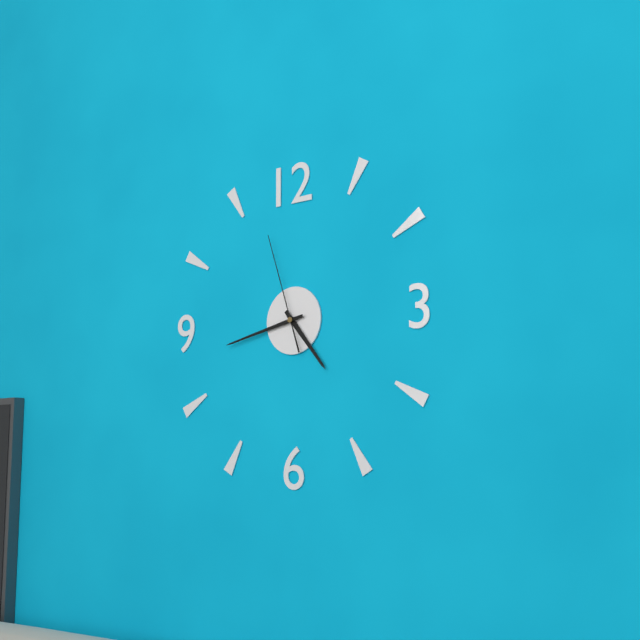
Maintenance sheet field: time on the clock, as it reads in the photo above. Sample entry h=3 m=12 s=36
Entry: h=4 m=43 s=57
